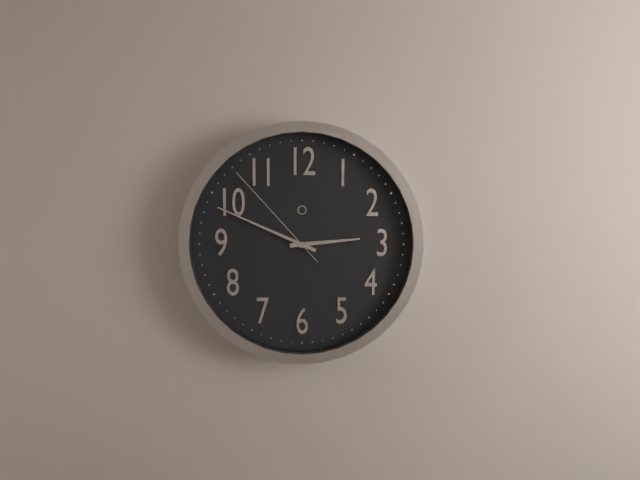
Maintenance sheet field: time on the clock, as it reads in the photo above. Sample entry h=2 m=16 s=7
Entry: h=2 m=49 s=53
